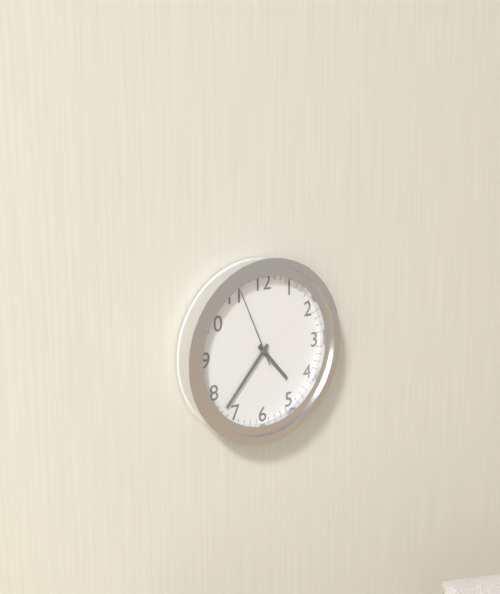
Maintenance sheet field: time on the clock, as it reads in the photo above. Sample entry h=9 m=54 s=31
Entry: h=4 m=37 s=56
